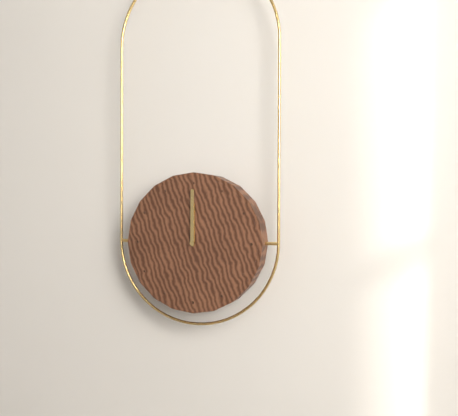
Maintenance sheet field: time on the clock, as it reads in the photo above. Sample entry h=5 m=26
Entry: h=12 m=0
